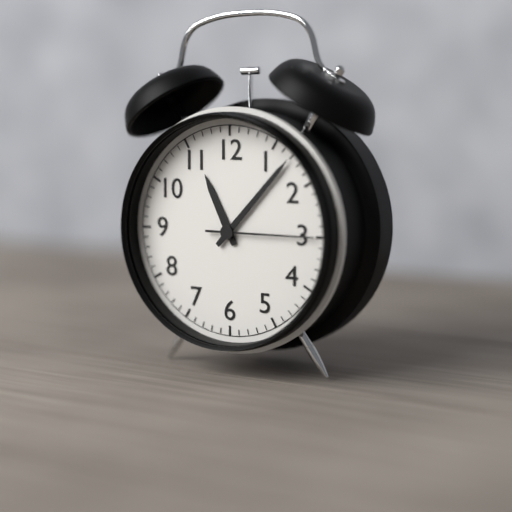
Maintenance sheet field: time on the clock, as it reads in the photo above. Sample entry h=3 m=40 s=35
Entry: h=11 m=7 s=15
